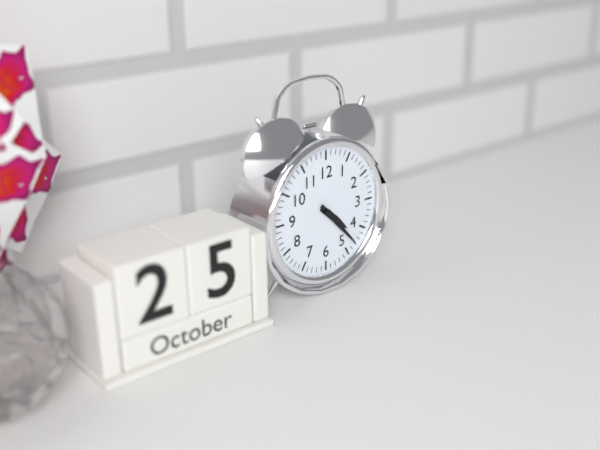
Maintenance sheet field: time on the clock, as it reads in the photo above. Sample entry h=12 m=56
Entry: h=4 m=23
